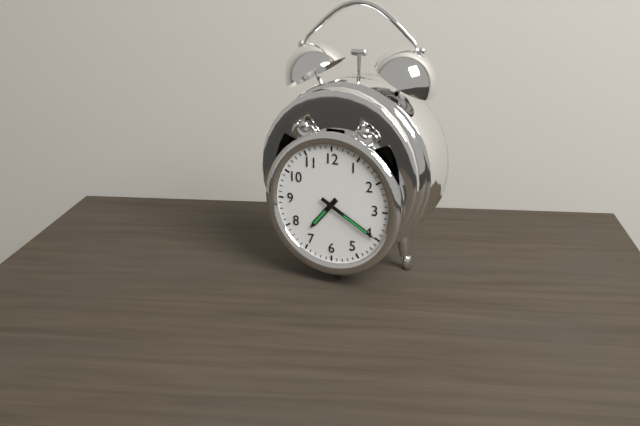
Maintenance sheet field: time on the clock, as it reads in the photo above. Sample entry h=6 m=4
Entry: h=7 m=20
